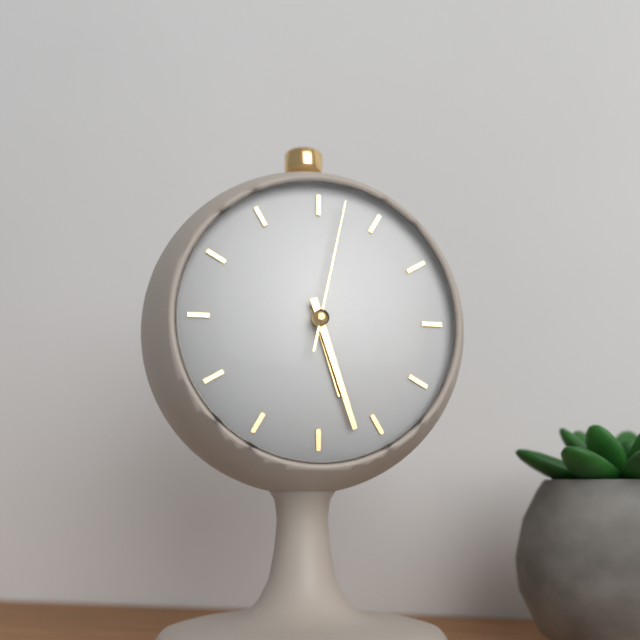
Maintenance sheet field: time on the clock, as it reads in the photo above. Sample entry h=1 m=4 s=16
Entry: h=5 m=27 s=2
